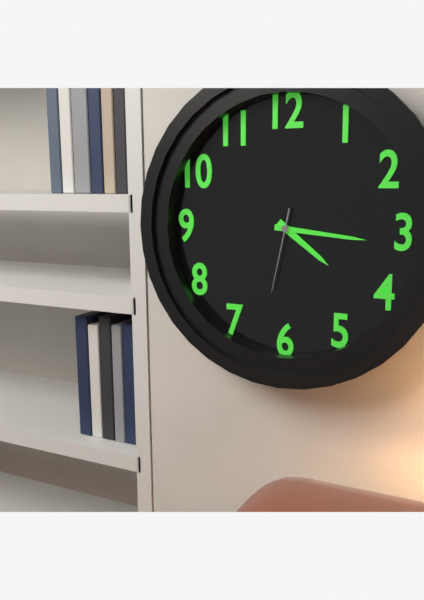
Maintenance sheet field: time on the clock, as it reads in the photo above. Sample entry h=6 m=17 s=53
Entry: h=4 m=16 s=32
